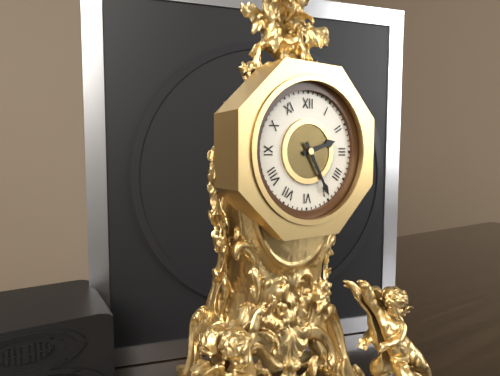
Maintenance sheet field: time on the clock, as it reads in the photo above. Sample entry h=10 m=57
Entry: h=2 m=25
